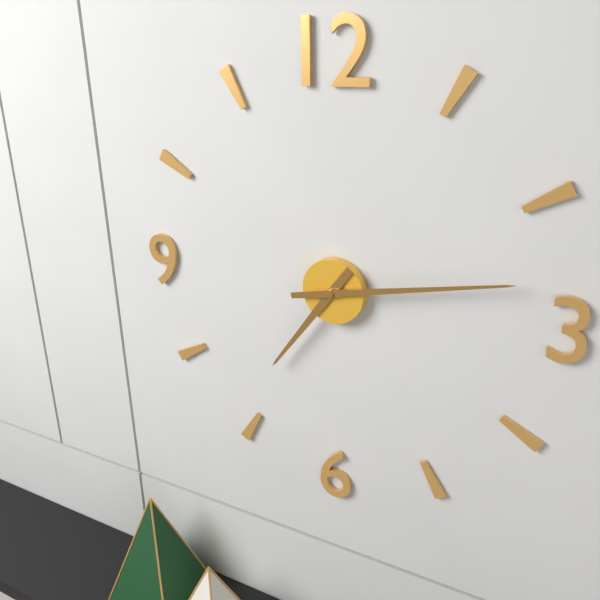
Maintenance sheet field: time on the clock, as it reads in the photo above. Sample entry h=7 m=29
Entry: h=7 m=13
